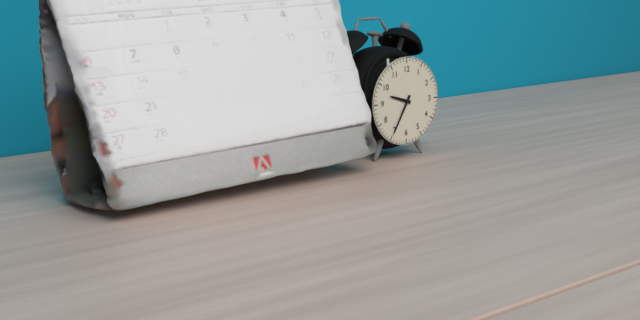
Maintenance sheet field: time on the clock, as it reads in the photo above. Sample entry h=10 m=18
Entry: h=9 m=35
